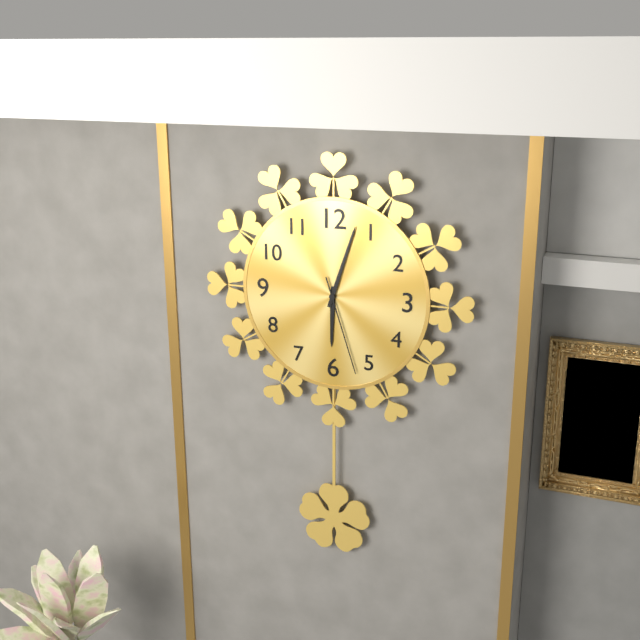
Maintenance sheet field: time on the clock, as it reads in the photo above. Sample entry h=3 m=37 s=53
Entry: h=6 m=3 s=27
